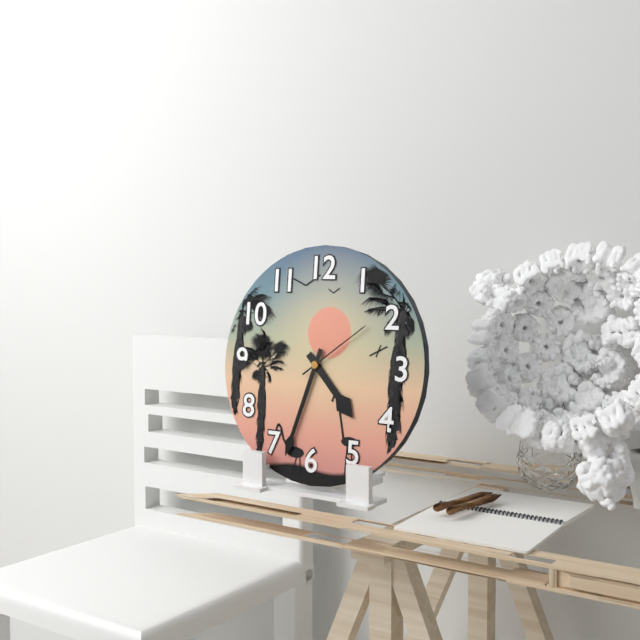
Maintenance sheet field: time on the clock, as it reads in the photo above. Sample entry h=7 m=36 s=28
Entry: h=4 m=33 s=9
